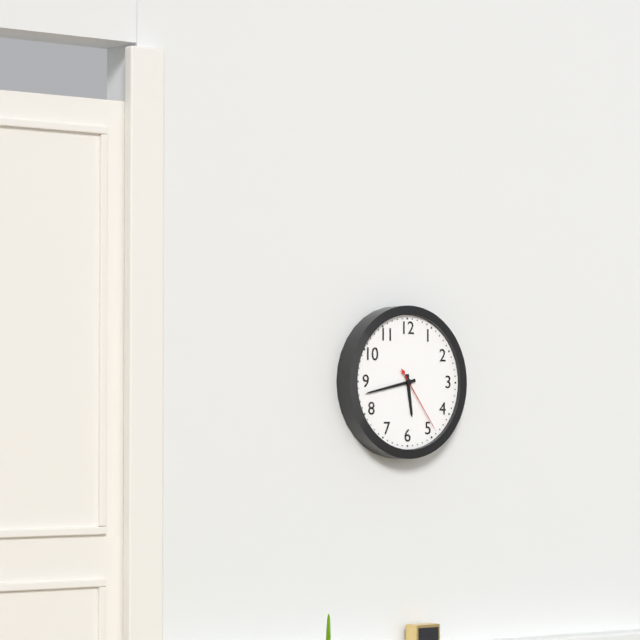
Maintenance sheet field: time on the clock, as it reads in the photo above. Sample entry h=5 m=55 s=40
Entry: h=5 m=43 s=24
